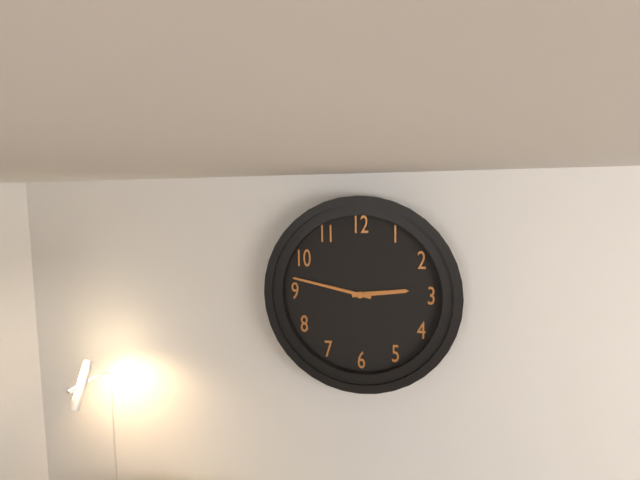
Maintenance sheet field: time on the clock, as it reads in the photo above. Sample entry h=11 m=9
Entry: h=2 m=47
